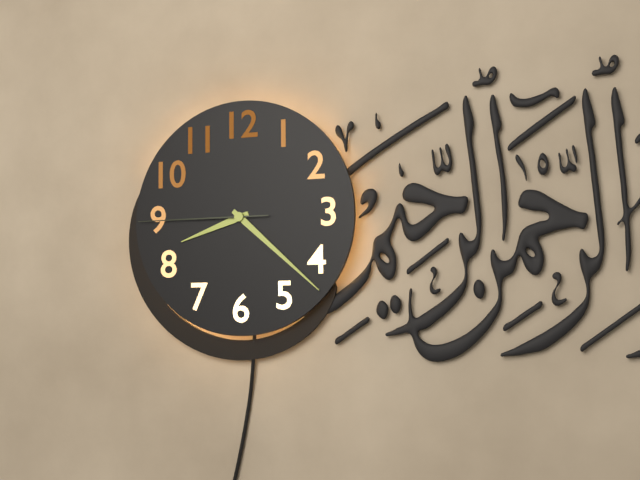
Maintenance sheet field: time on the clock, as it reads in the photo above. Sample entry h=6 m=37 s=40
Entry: h=8 m=22 s=45
